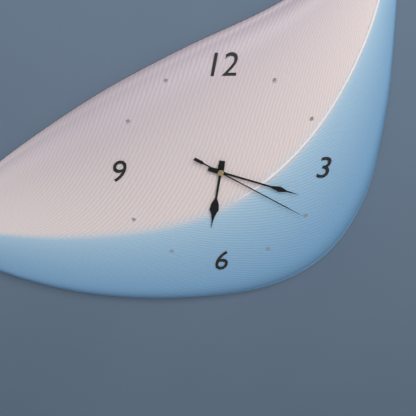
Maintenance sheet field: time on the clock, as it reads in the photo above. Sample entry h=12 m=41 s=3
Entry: h=6 m=18 s=20
